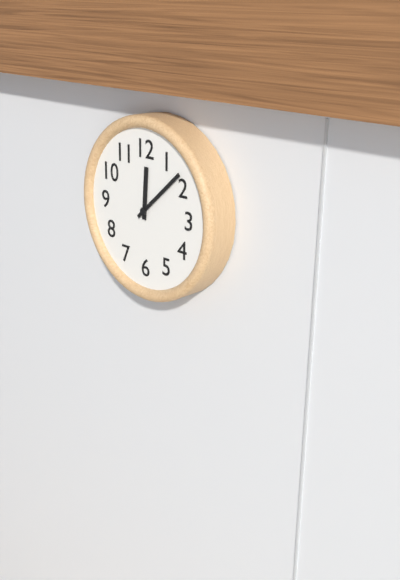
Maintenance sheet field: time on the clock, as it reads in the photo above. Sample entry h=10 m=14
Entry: h=12 m=8
